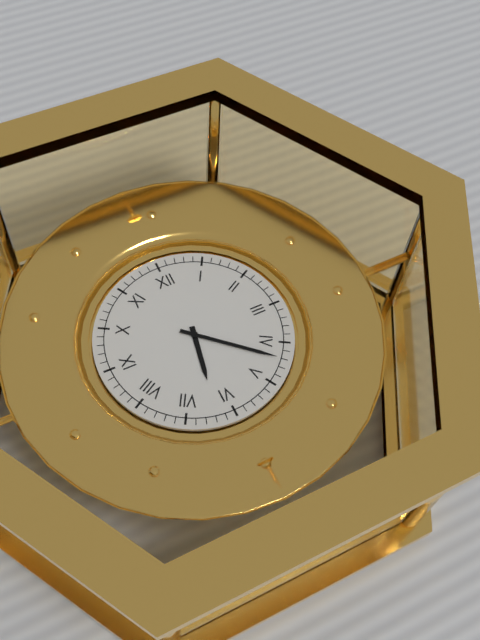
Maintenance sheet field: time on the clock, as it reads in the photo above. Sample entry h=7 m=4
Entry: h=6 m=22
